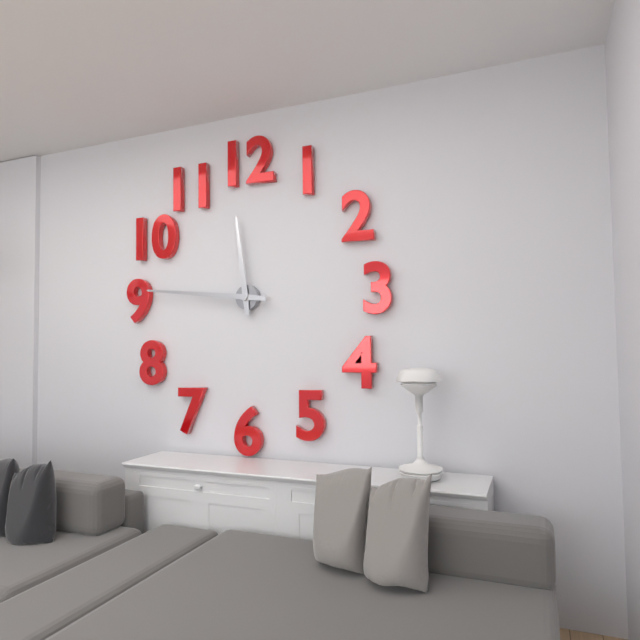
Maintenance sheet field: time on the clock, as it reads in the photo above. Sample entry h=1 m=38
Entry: h=11 m=46
